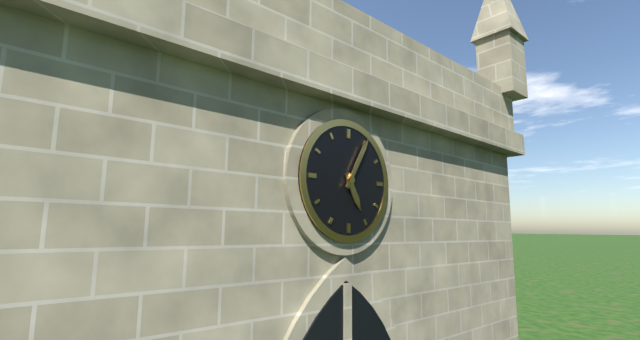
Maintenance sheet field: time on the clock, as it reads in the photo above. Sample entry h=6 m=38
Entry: h=5 m=5
